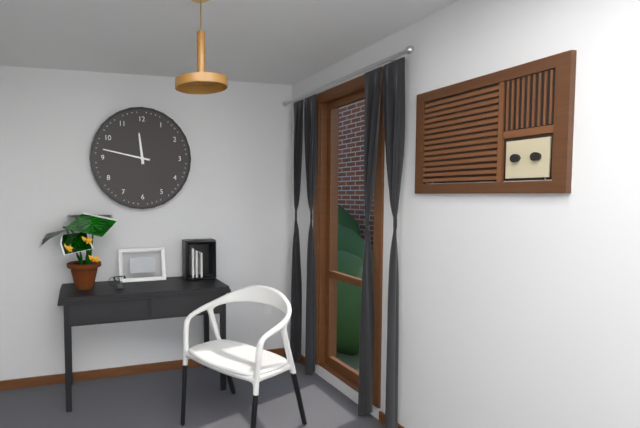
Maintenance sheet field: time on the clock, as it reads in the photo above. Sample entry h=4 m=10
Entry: h=11 m=47
